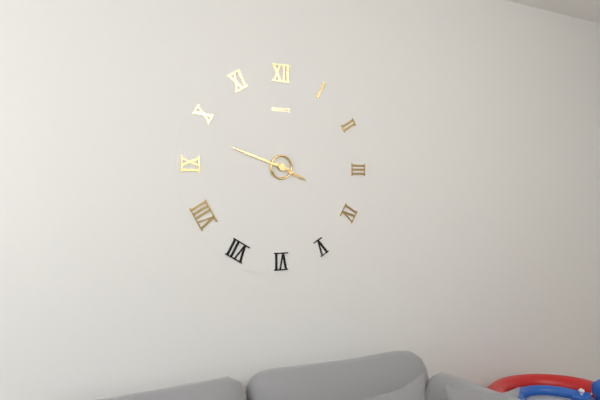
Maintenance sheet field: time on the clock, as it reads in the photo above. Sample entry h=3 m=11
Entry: h=3 m=48
